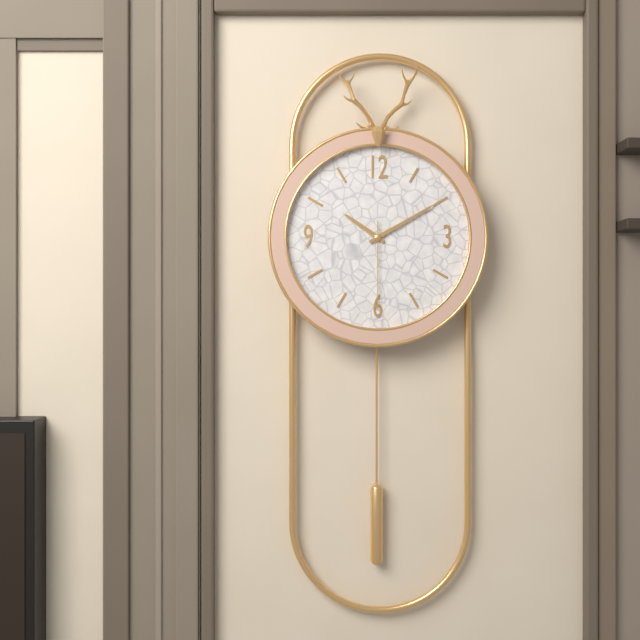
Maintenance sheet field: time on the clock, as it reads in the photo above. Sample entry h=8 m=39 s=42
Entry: h=10 m=10 s=30
